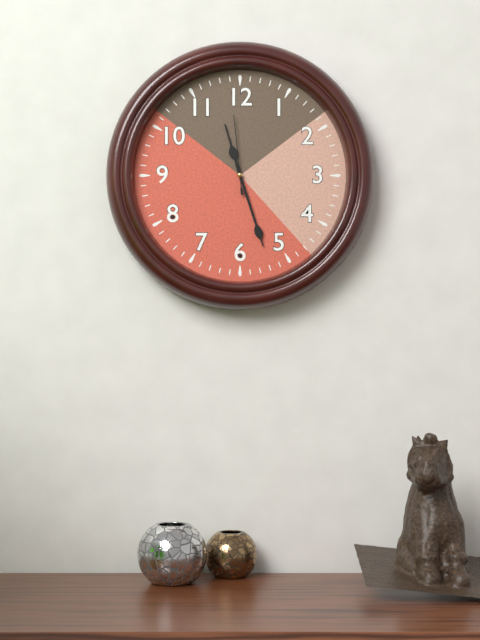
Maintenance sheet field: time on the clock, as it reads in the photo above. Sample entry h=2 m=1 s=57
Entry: h=11 m=27 s=59
